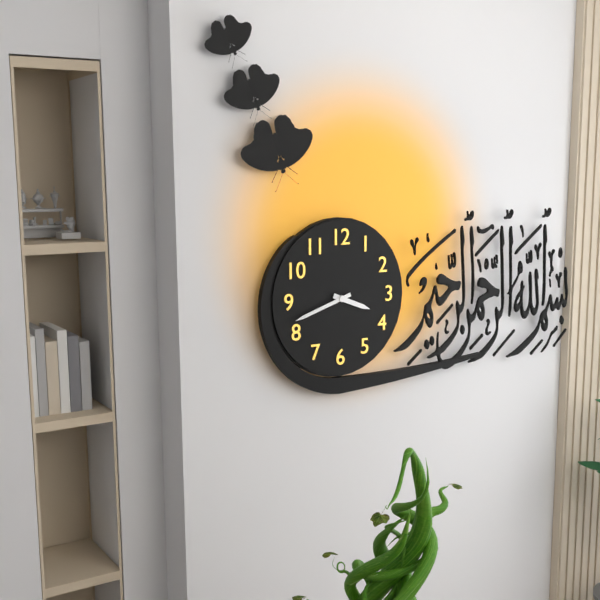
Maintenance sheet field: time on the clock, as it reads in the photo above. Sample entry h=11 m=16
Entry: h=3 m=42
